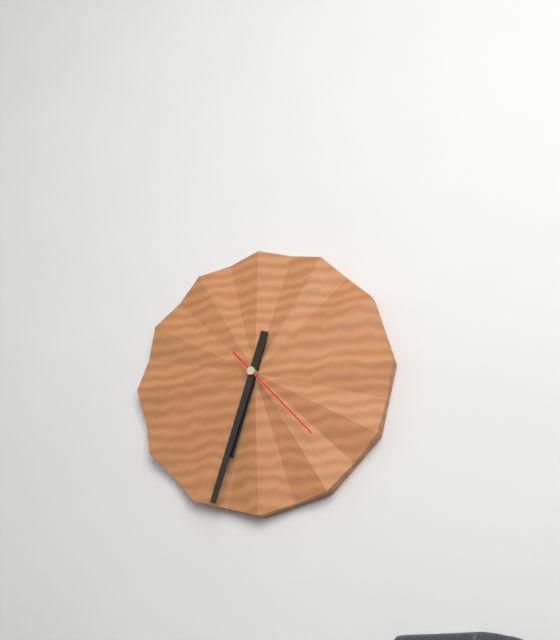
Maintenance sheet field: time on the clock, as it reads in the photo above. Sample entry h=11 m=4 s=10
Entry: h=6 m=33 s=23
